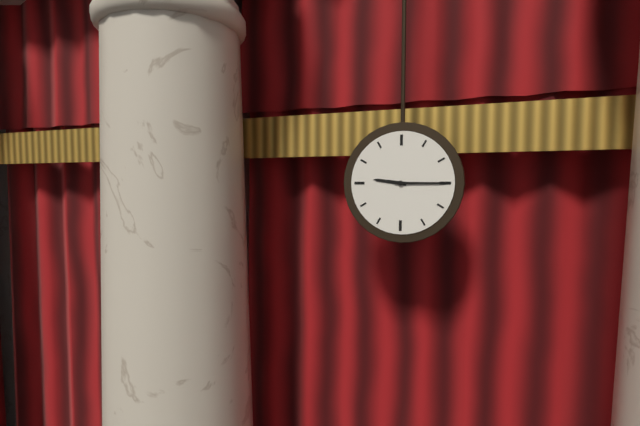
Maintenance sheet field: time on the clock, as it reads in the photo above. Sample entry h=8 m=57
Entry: h=9 m=15
